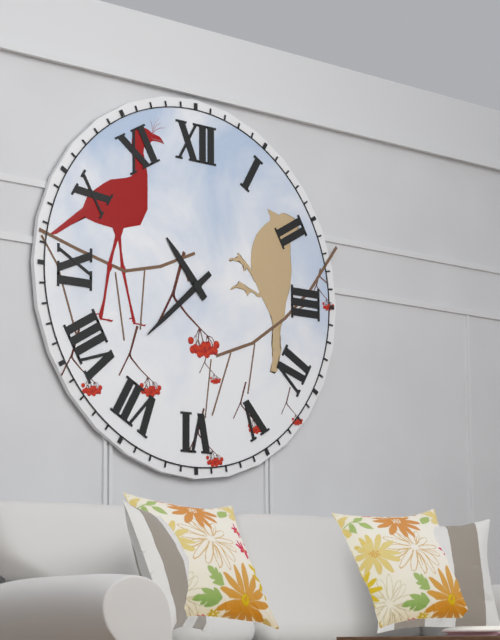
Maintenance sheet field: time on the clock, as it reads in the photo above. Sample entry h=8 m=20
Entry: h=10 m=38
